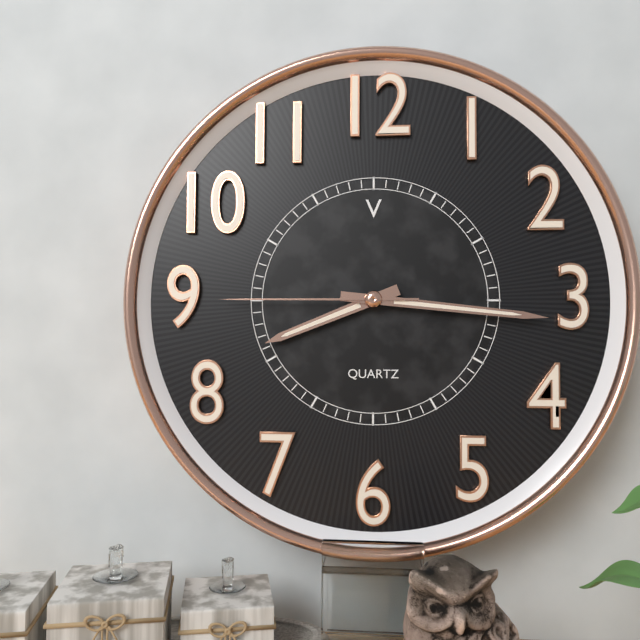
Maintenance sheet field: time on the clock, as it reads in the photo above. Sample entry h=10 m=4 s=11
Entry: h=8 m=16 s=45
